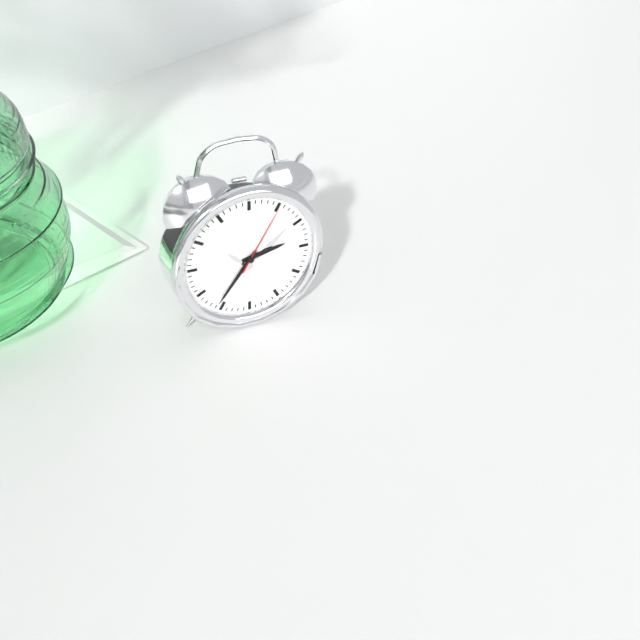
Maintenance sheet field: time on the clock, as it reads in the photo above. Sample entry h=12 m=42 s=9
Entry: h=2 m=36 s=5
